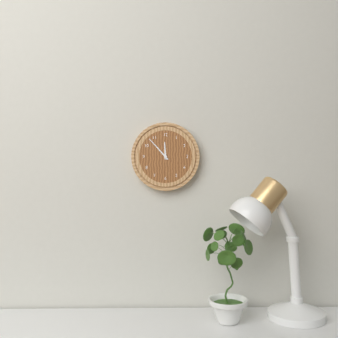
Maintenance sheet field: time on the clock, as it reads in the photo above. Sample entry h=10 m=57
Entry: h=11 m=53
